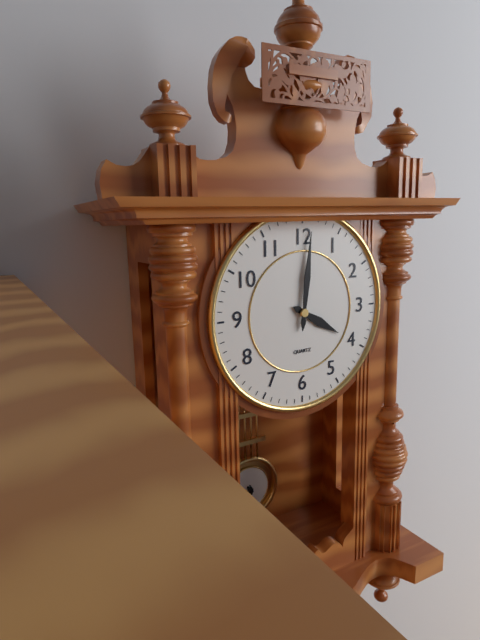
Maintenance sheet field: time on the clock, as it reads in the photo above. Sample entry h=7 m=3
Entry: h=4 m=1
